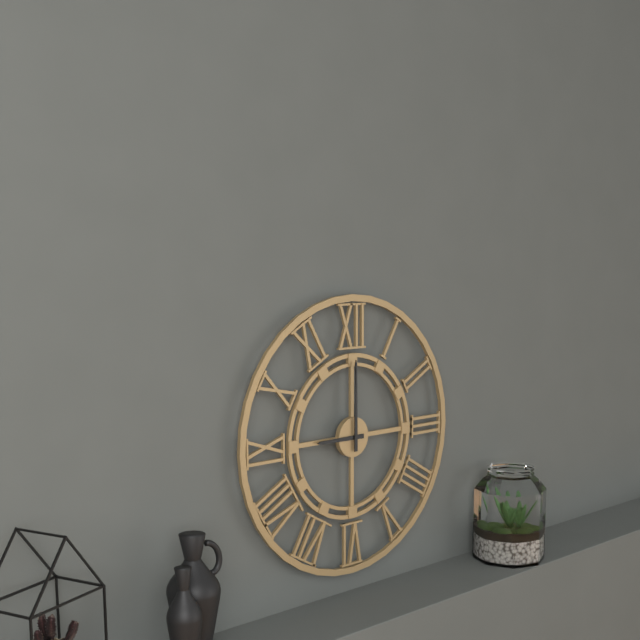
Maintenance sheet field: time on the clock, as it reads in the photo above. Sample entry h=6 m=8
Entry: h=9 m=0
